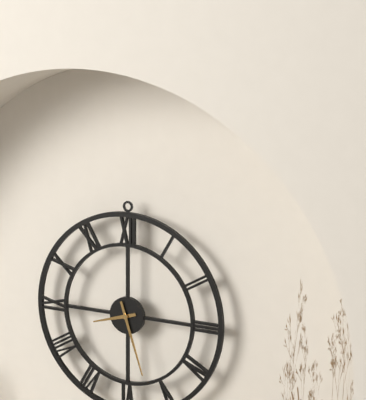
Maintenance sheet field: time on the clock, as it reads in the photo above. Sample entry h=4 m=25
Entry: h=8 m=27
